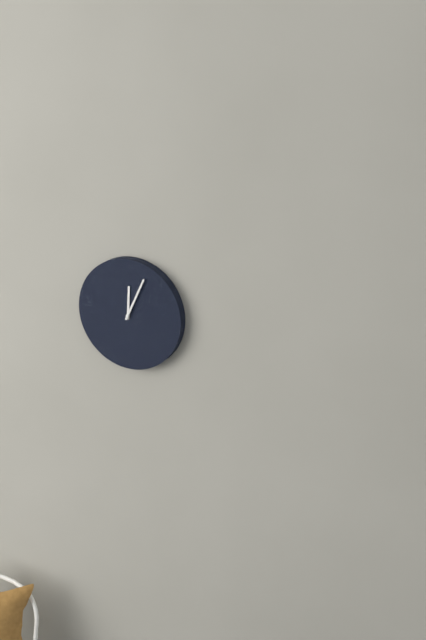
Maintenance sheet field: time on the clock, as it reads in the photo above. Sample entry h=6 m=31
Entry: h=12 m=4
